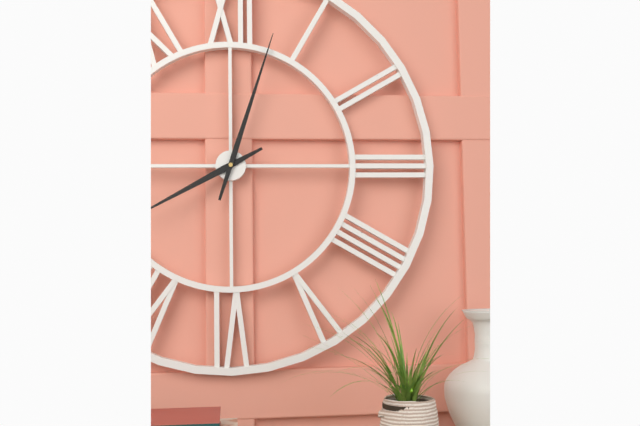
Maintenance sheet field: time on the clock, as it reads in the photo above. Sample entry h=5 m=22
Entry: h=8 m=3
